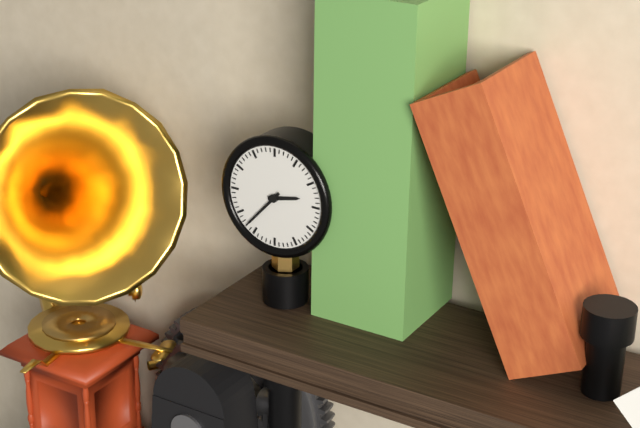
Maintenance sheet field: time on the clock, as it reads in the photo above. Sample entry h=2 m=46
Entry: h=2 m=37
